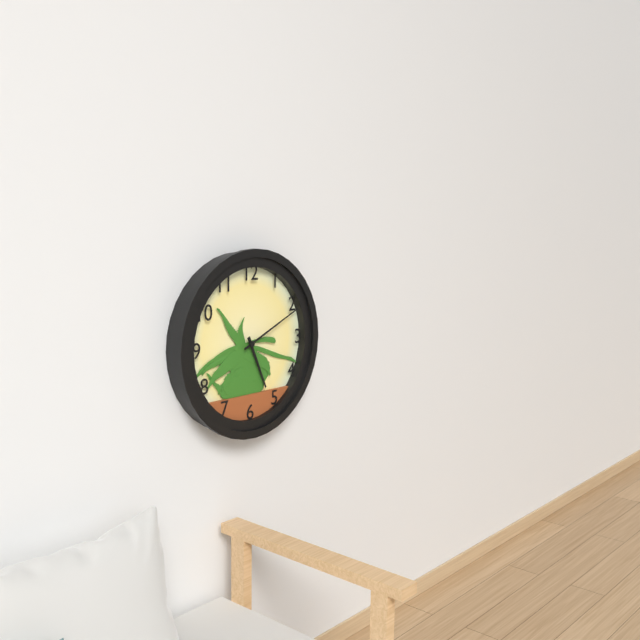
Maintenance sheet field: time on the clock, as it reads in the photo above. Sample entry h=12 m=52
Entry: h=5 m=11
